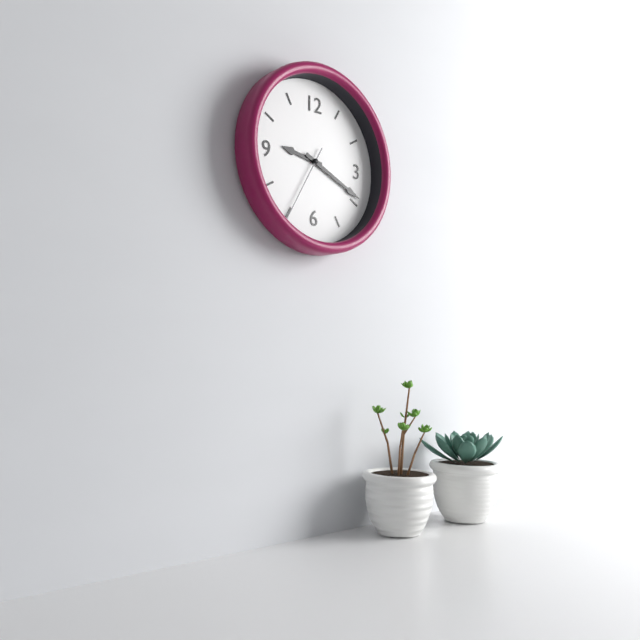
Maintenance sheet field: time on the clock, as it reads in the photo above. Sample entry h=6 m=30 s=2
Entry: h=9 m=19 s=35
